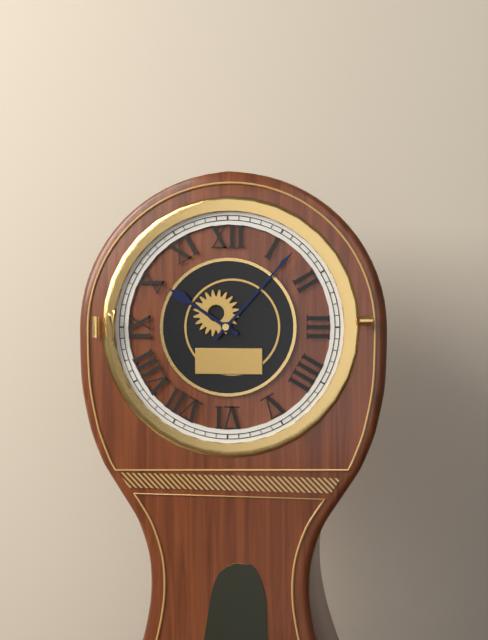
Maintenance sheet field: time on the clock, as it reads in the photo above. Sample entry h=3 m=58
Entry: h=10 m=7
